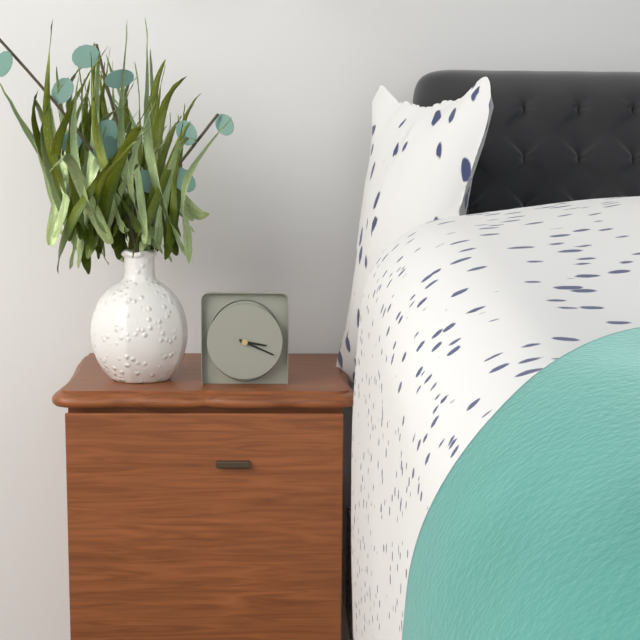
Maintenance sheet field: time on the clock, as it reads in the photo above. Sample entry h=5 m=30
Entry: h=3 m=19
